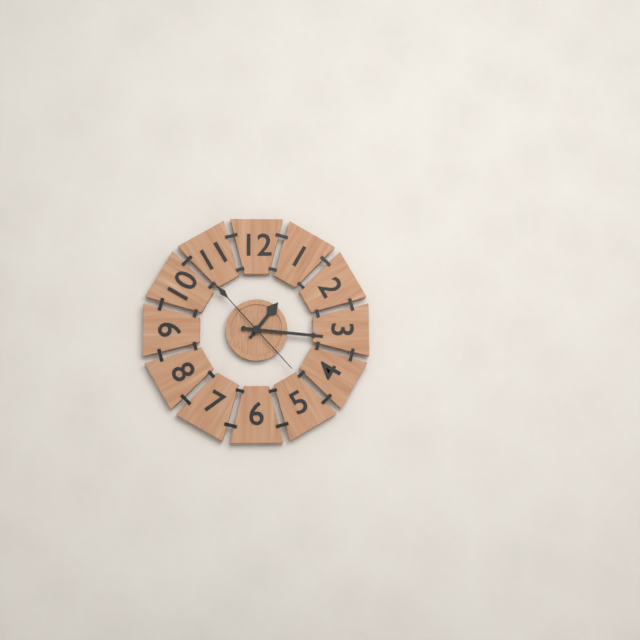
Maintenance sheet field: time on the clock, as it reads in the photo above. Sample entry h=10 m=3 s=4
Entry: h=1 m=16 s=53
